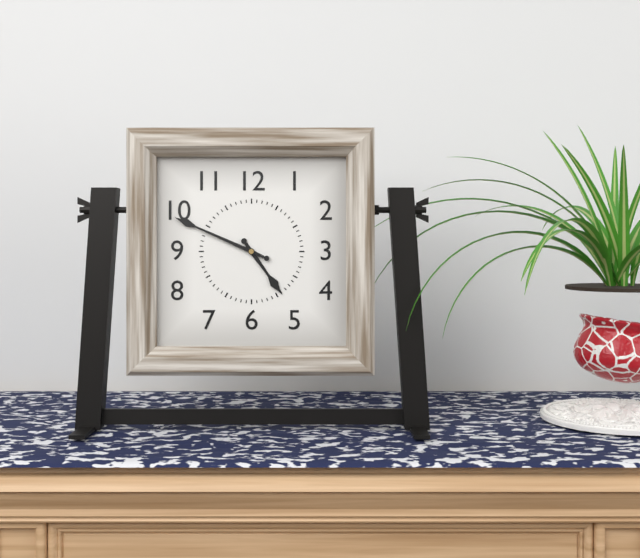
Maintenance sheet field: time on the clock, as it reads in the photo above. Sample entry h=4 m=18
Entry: h=4 m=49
